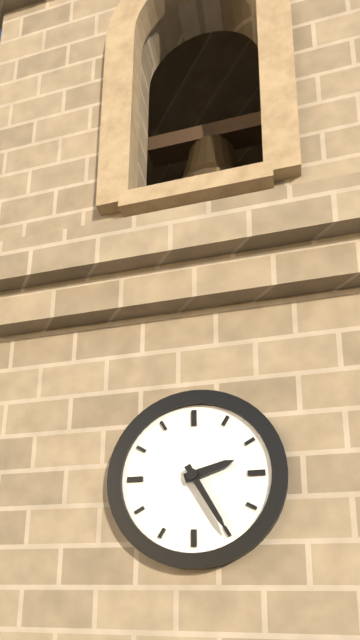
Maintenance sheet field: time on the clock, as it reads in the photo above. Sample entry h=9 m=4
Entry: h=2 m=25
